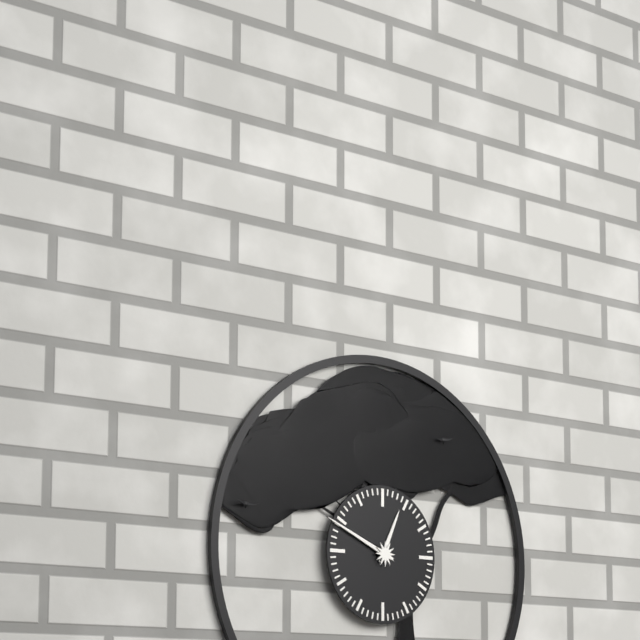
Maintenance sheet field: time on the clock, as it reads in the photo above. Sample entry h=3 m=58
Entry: h=12 m=49
